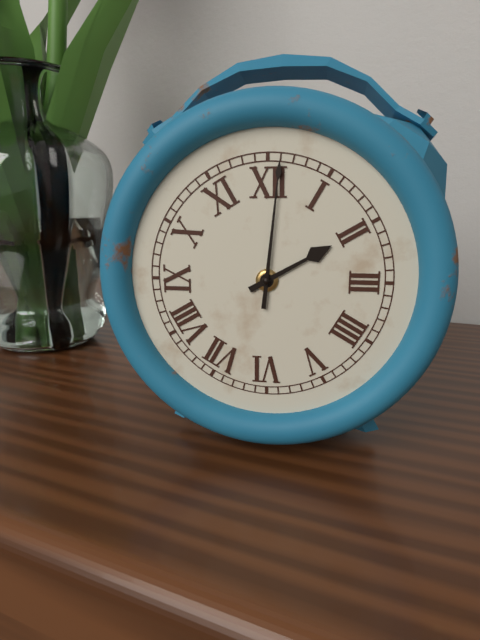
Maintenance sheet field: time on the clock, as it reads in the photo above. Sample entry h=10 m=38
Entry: h=2 m=1
